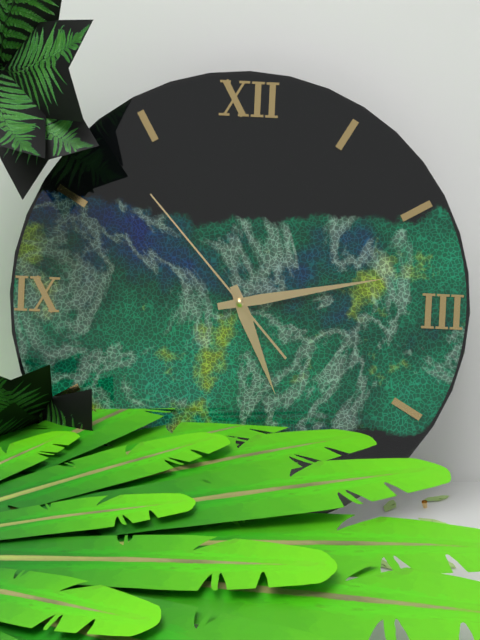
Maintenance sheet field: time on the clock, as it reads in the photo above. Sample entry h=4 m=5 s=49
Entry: h=5 m=13 s=53
